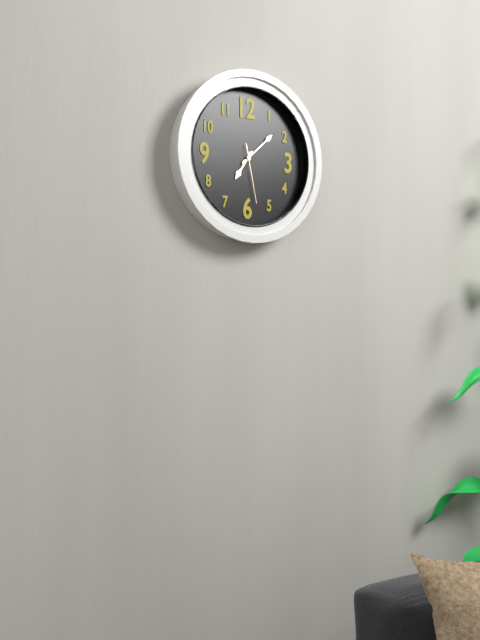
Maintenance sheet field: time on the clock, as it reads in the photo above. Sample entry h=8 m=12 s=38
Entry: h=7 m=8 s=28
